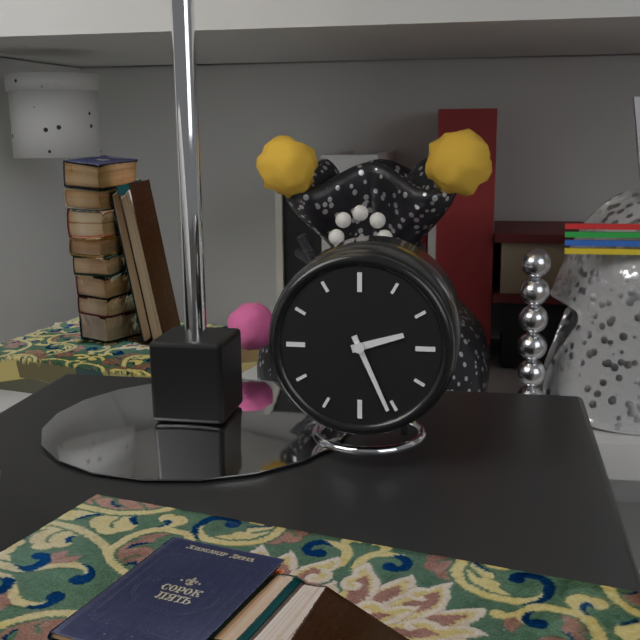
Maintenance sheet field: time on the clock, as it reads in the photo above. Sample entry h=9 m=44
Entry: h=2 m=26
